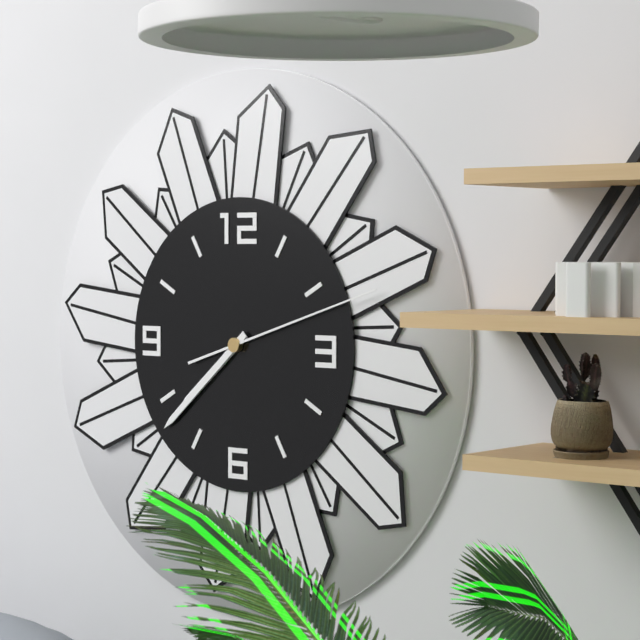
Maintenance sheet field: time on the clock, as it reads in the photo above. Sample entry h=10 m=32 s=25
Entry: h=7 m=38 s=12
